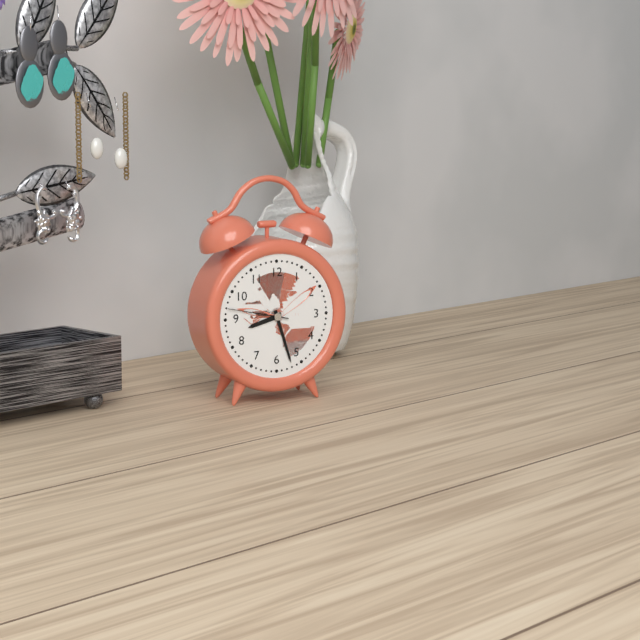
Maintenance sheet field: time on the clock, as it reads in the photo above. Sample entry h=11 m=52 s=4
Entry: h=8 m=27 s=47
